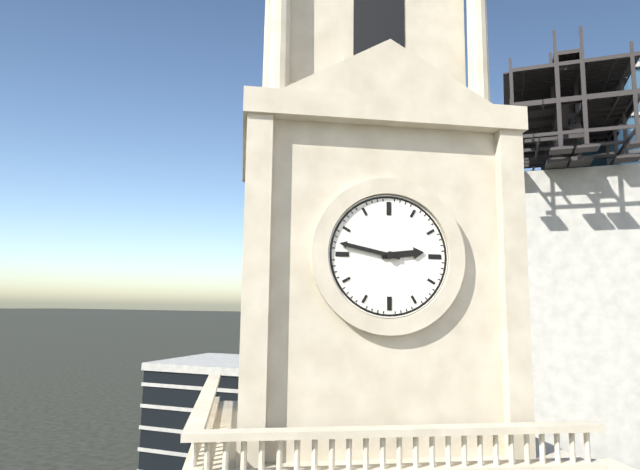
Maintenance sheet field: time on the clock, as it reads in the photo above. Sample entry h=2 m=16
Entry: h=2 m=47
